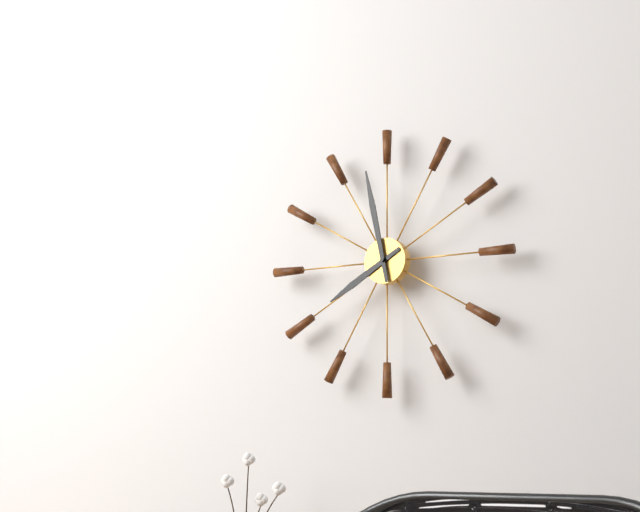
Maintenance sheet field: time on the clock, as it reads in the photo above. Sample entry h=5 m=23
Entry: h=7 m=58
